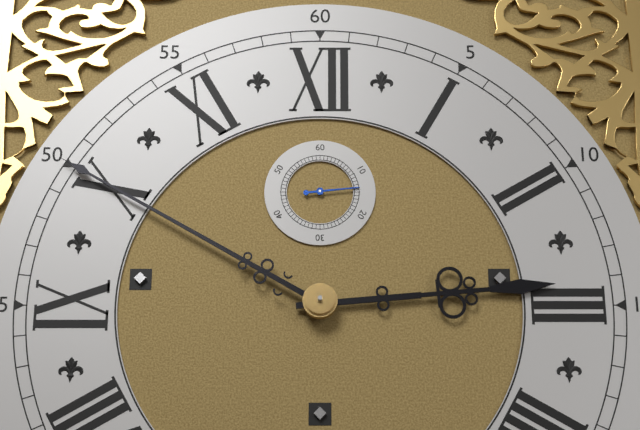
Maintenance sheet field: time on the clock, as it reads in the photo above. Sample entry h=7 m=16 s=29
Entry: h=2 m=50 s=14
